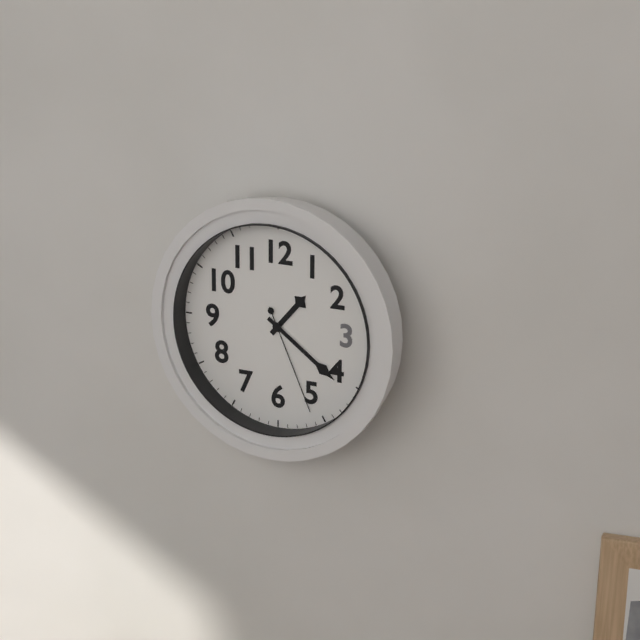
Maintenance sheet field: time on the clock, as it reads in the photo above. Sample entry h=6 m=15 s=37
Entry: h=1 m=21 s=26
